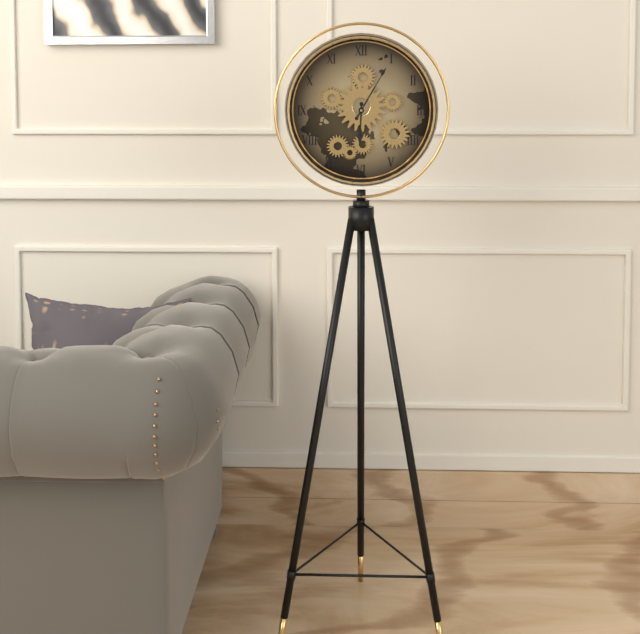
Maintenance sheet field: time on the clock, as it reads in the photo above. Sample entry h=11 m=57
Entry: h=6 m=5
